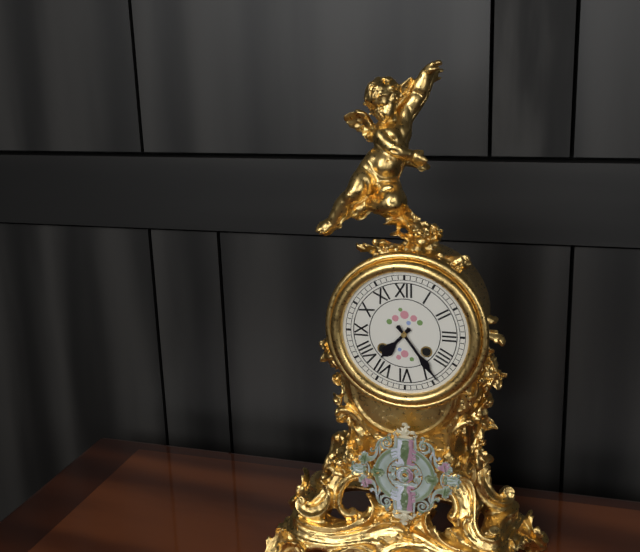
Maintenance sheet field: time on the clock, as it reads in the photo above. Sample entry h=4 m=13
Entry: h=7 m=24
